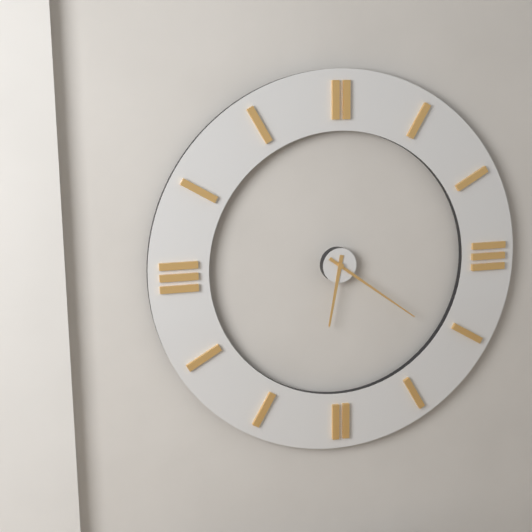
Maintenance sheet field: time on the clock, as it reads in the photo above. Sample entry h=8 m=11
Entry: h=6 m=21
